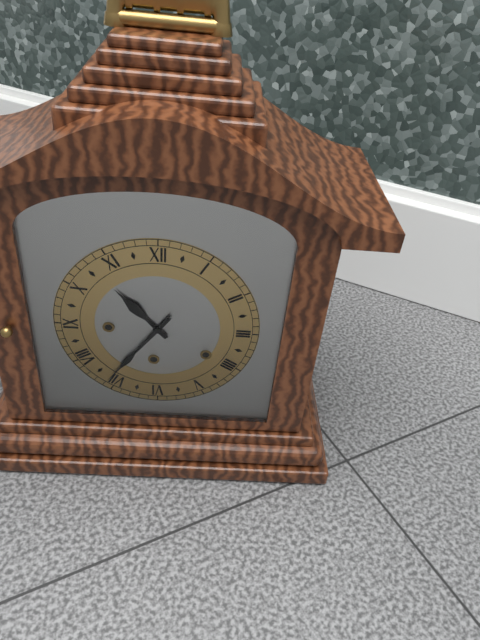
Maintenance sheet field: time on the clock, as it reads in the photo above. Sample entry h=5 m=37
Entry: h=10 m=36
